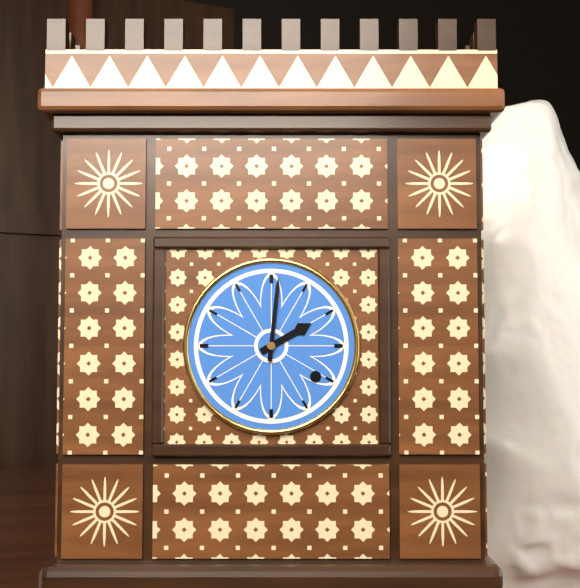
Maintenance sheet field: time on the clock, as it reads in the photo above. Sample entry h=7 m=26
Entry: h=2 m=1
